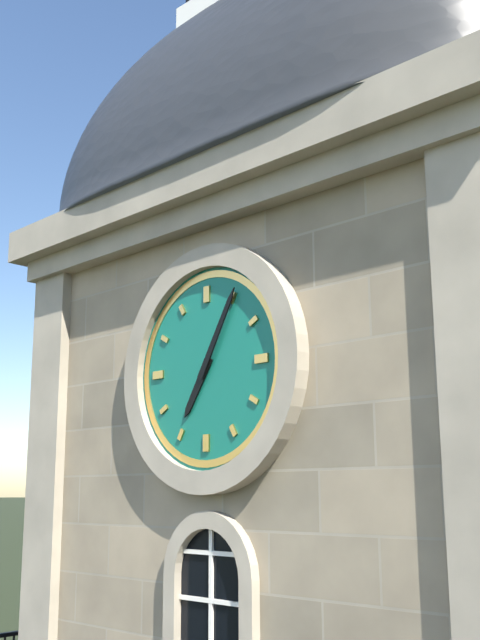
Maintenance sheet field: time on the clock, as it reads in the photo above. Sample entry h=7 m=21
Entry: h=7 m=5
